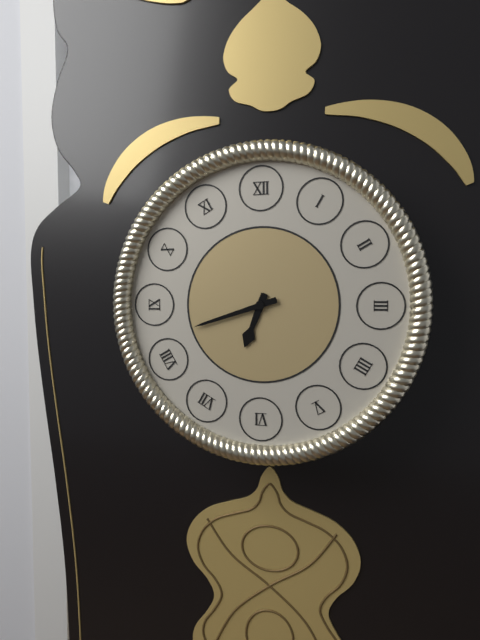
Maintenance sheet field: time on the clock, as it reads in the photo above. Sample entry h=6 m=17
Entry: h=6 m=42
